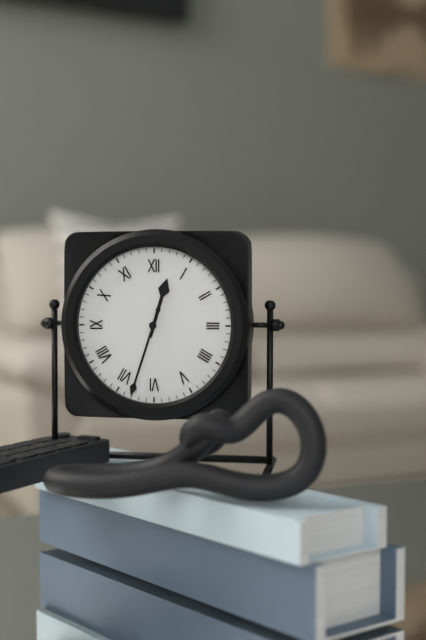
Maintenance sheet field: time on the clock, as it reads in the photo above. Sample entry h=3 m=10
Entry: h=12 m=33
